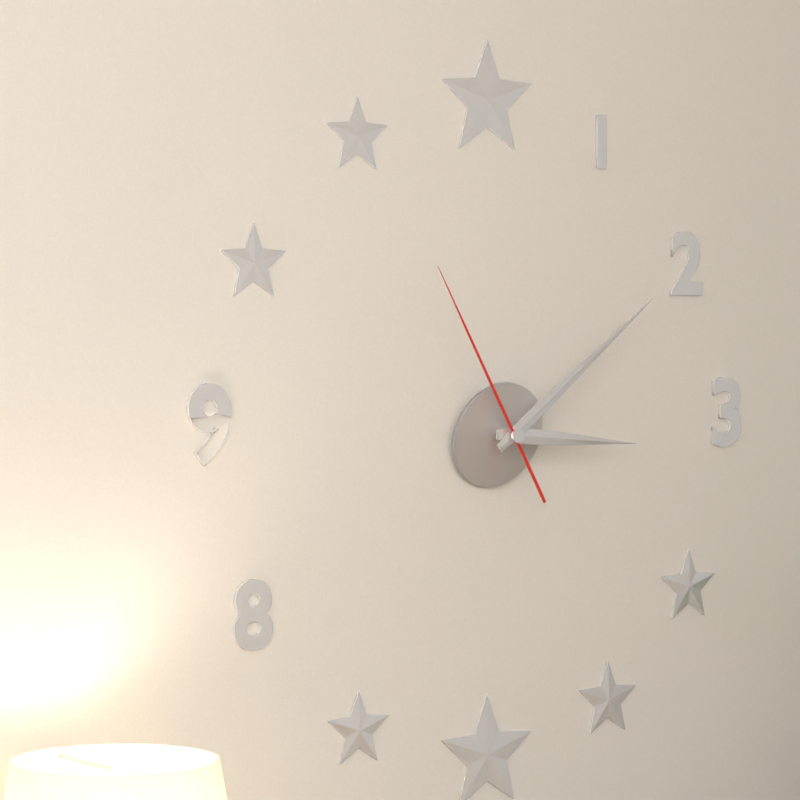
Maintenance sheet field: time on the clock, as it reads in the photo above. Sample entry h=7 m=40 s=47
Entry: h=3 m=9 s=55
